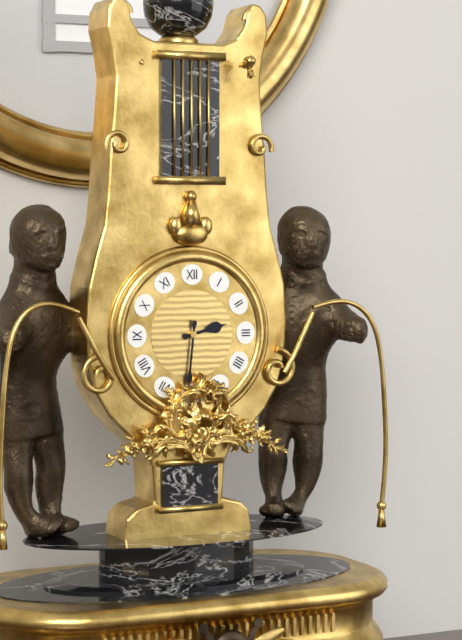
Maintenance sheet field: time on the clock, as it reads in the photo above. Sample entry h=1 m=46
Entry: h=2 m=31
